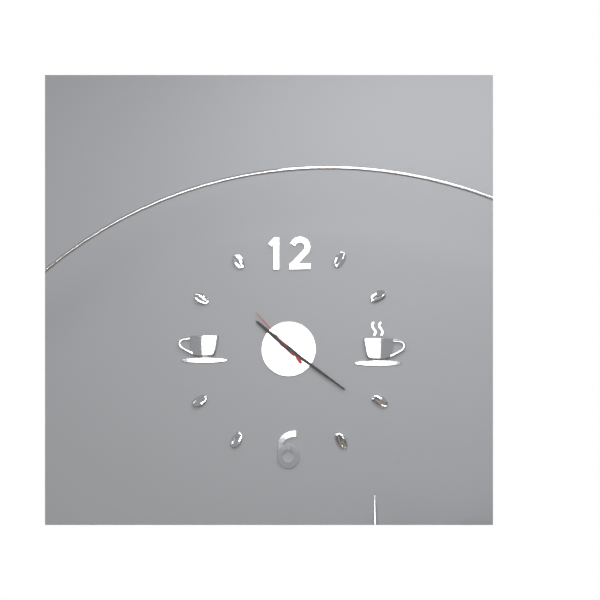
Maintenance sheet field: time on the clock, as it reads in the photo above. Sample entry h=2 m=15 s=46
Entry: h=10 m=21 s=53
